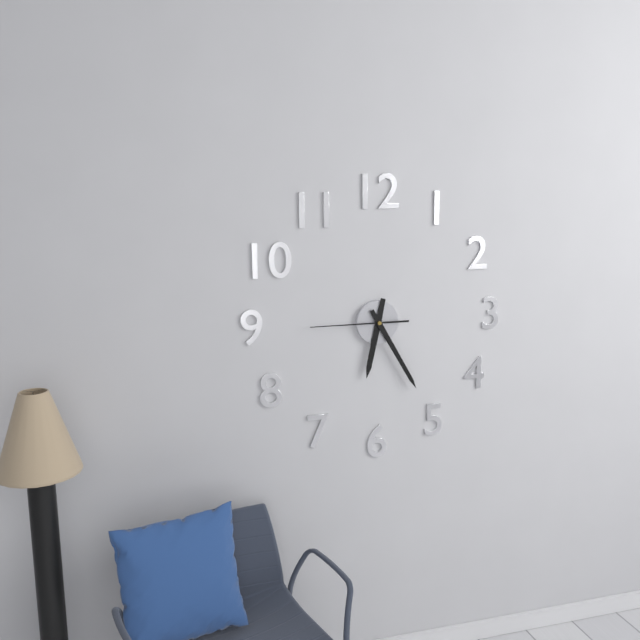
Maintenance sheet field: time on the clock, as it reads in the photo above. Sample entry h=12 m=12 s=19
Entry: h=6 m=25 s=45
